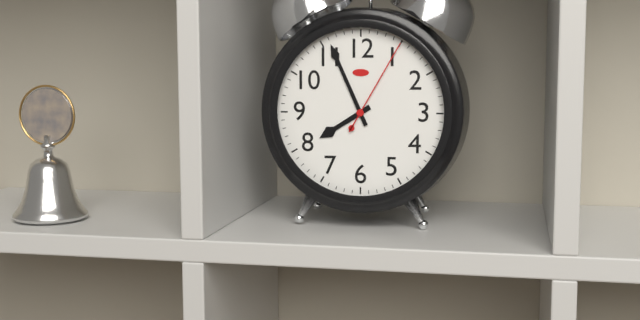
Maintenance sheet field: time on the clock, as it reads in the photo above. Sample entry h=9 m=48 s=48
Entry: h=7 m=56 s=5
